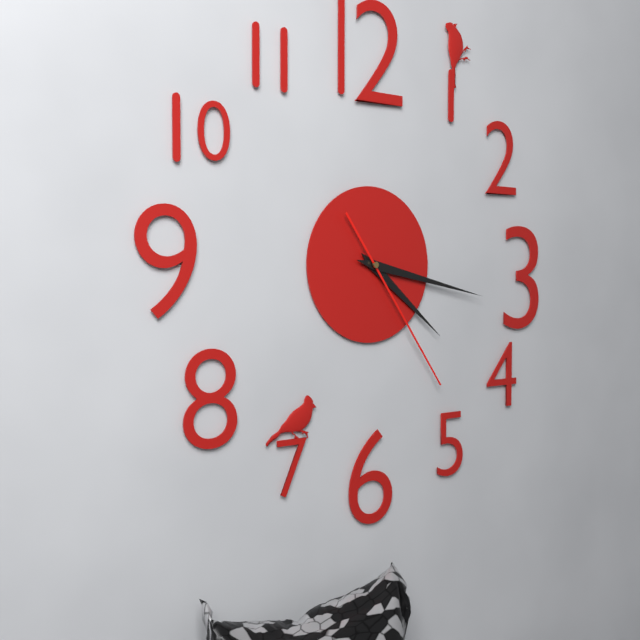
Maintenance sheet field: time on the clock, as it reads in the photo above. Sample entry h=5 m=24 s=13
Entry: h=4 m=17 s=24
